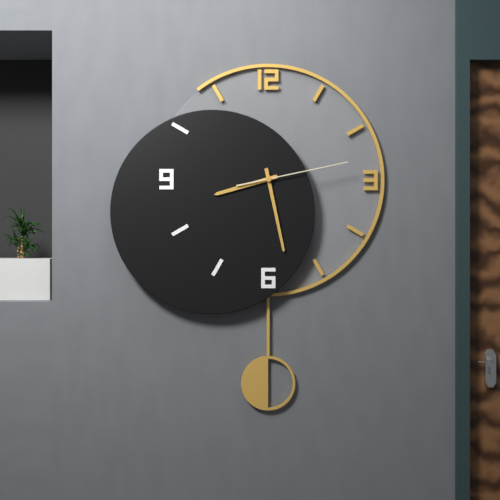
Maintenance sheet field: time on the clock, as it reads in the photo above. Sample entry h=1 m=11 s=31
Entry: h=8 m=28 s=13
